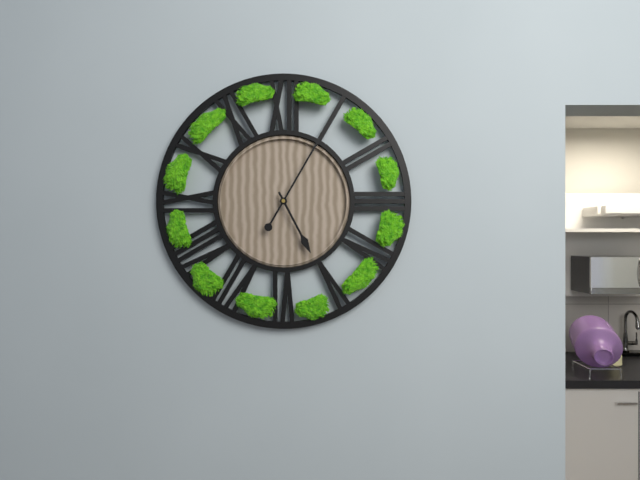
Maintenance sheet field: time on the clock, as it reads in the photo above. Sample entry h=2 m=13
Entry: h=5 m=5
